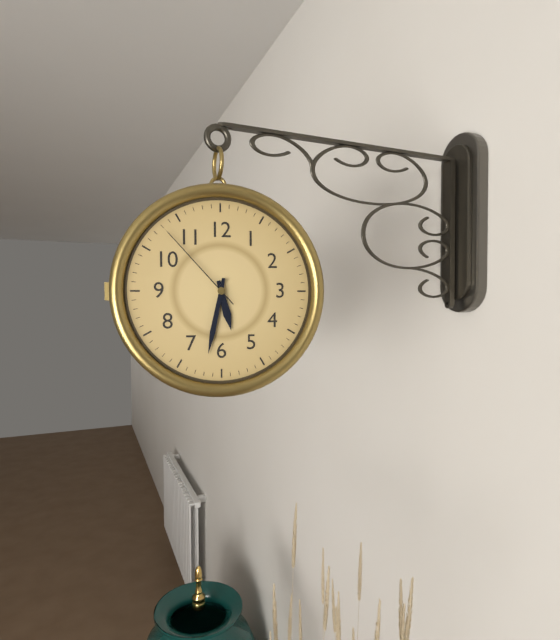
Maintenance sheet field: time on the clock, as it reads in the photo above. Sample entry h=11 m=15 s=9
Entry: h=5 m=32 s=53
